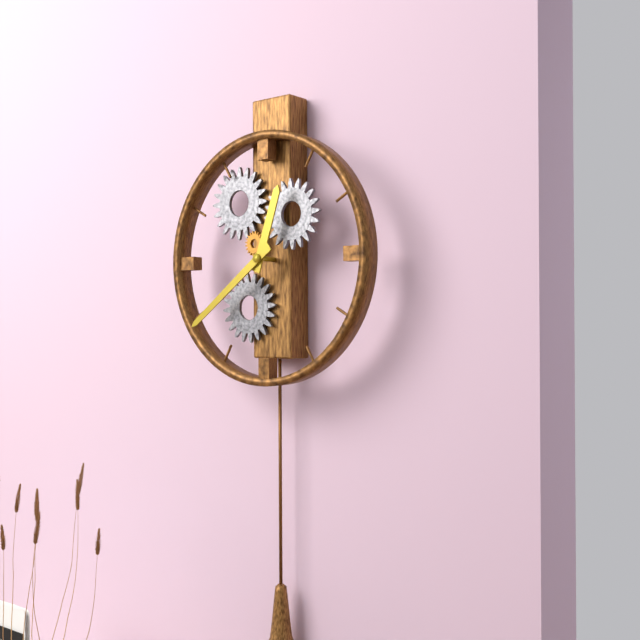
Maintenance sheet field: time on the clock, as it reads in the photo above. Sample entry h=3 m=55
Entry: h=12 m=39
